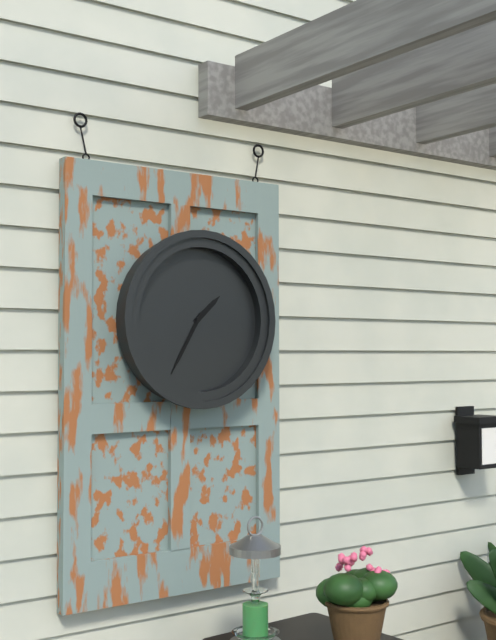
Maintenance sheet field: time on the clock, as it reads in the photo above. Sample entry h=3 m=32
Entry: h=1 m=35
